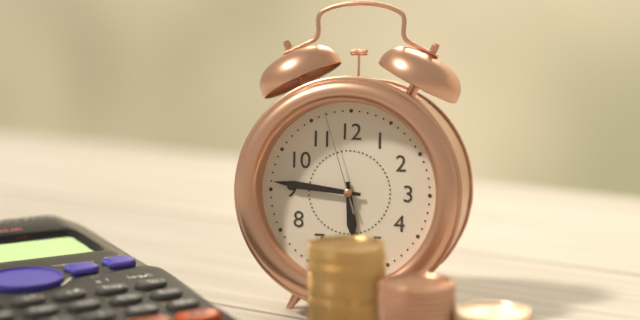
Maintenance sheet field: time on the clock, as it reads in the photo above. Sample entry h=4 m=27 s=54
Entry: h=5 m=46 s=57
